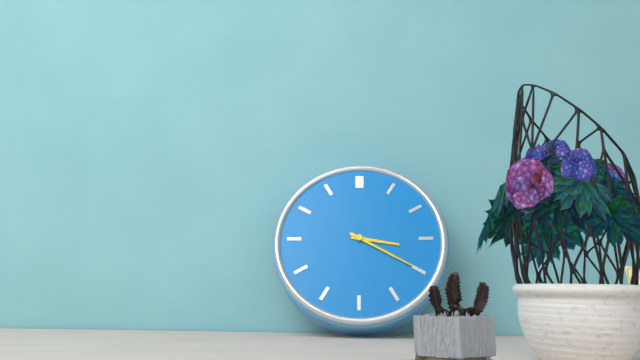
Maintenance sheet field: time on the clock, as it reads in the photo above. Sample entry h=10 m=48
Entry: h=3 m=20
